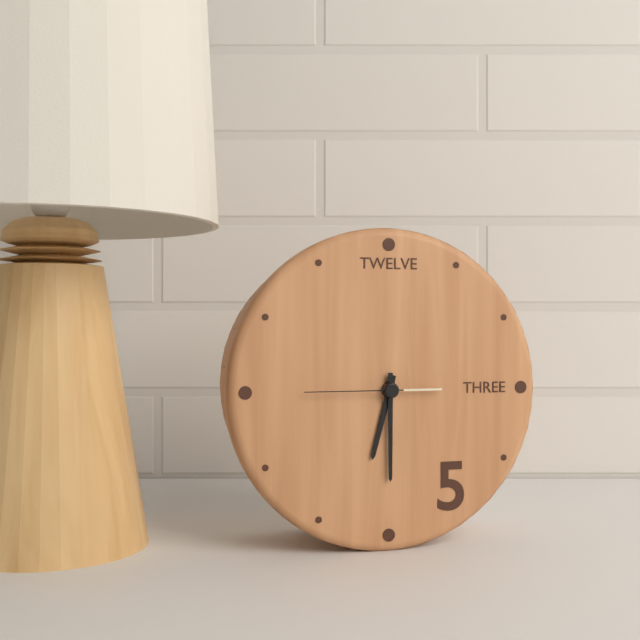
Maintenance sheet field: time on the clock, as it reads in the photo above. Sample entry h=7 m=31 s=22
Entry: h=6 m=30 s=45
